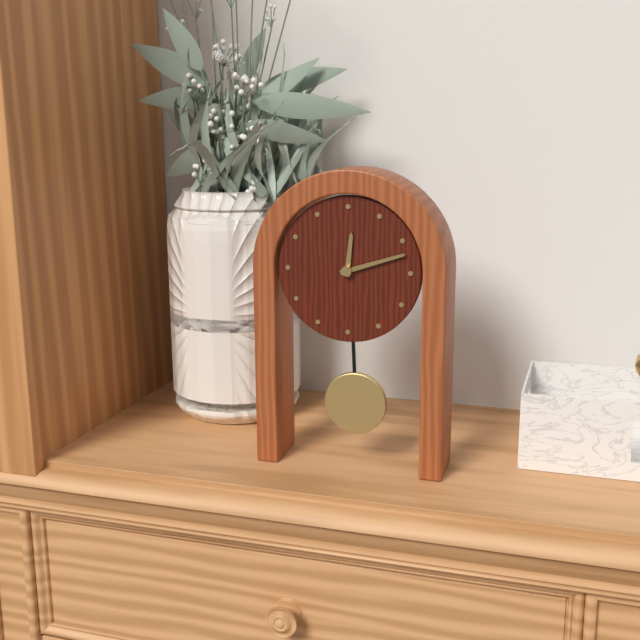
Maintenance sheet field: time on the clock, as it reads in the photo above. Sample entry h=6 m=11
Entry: h=12 m=12
